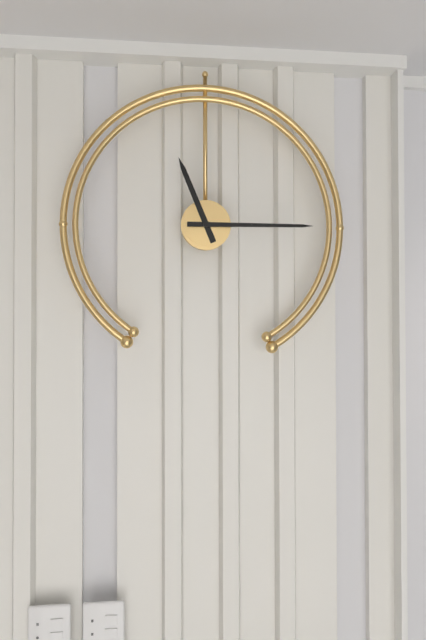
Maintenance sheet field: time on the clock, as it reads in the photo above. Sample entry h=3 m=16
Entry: h=11 m=15
